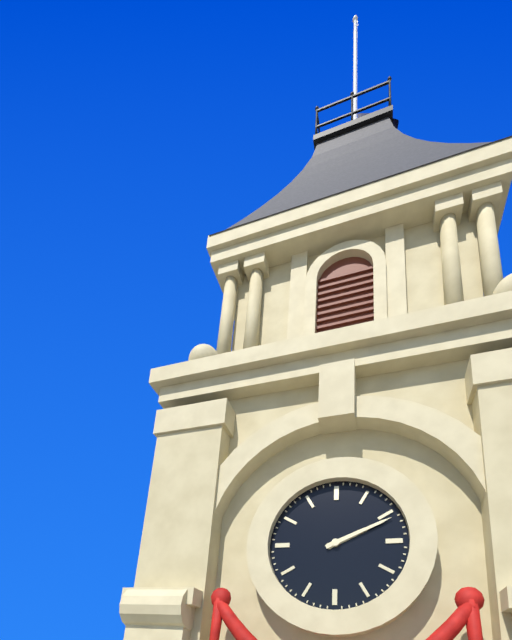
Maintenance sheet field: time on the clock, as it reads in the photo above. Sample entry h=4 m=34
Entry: h=2 m=11
